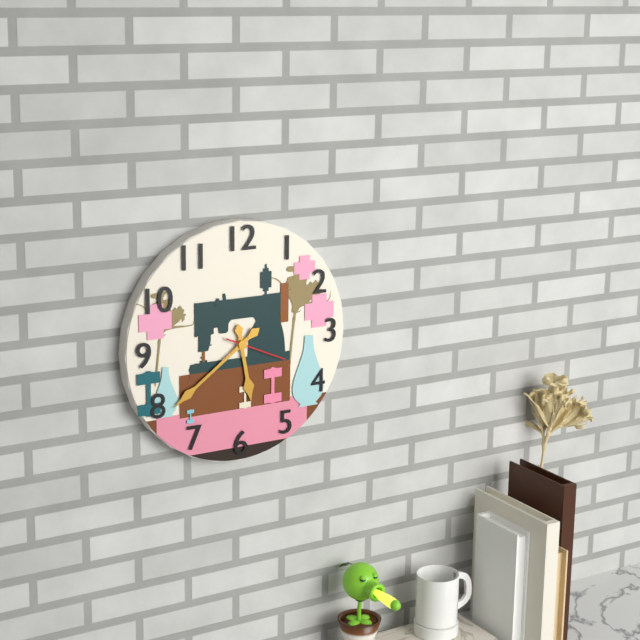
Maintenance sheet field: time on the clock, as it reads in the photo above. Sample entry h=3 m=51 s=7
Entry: h=5 m=39 s=19
